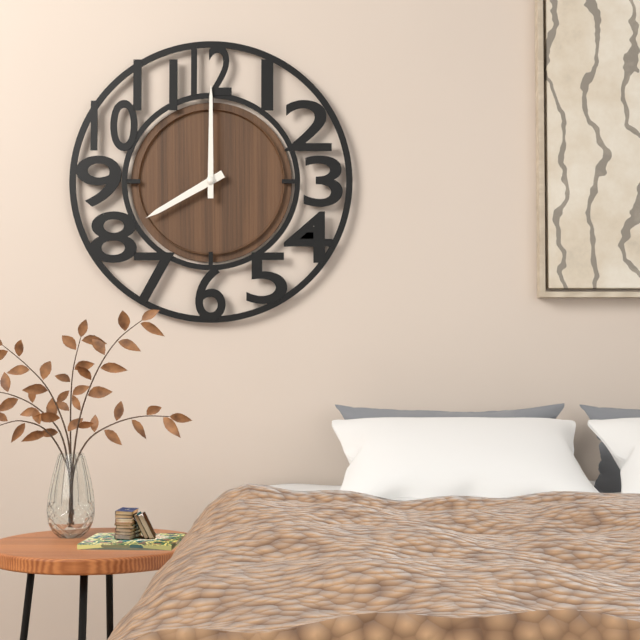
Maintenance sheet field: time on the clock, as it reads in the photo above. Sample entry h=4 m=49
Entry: h=8 m=0
